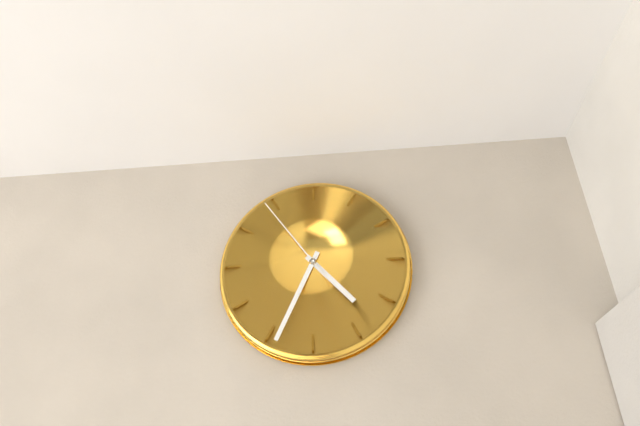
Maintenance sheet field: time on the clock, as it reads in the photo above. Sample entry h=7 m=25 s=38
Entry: h=4 m=34 s=54
